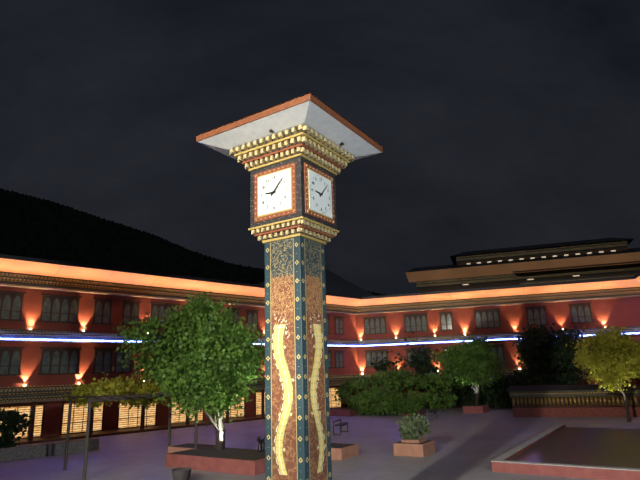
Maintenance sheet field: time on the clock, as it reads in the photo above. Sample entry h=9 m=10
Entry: h=9 m=7
